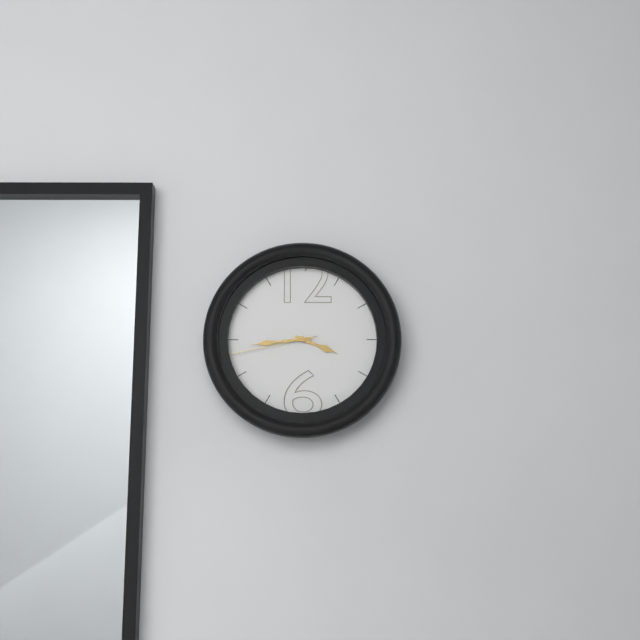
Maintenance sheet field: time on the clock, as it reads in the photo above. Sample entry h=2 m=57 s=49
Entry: h=3 m=44 s=43
